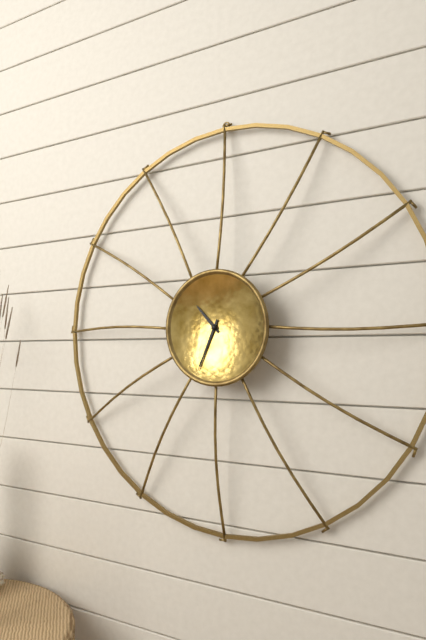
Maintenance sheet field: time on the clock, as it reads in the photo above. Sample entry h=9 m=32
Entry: h=10 m=34
